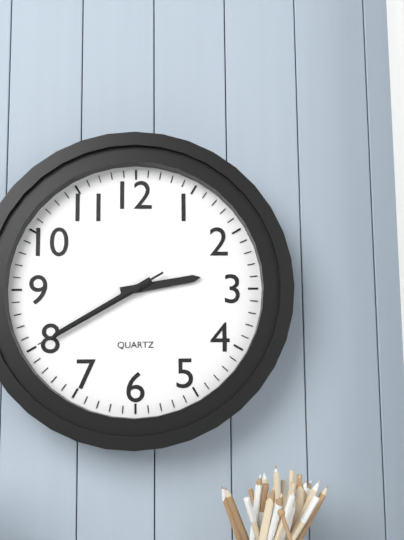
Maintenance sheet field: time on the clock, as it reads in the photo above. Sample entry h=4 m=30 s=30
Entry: h=2 m=40 s=40
